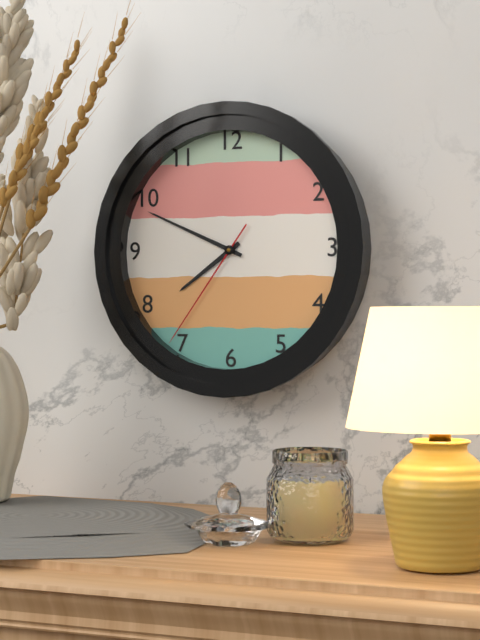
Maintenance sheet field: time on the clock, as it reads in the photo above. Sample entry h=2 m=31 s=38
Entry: h=7 m=49 s=36
